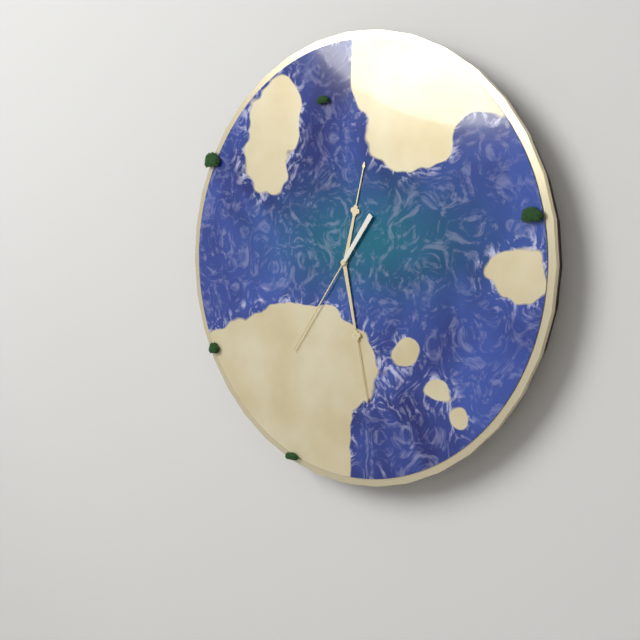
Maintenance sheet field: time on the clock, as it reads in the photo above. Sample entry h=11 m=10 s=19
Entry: h=12 m=28 s=36
